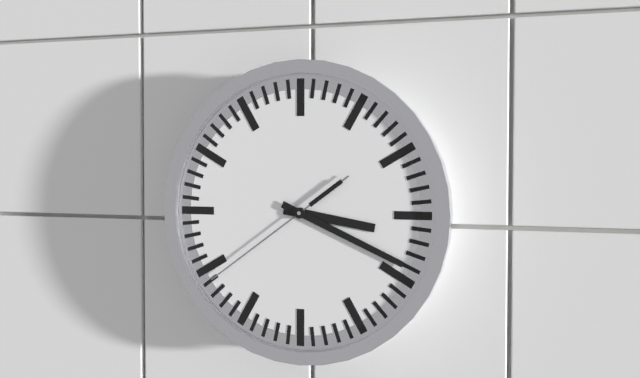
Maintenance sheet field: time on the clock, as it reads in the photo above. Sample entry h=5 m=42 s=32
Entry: h=3 m=19 s=39
